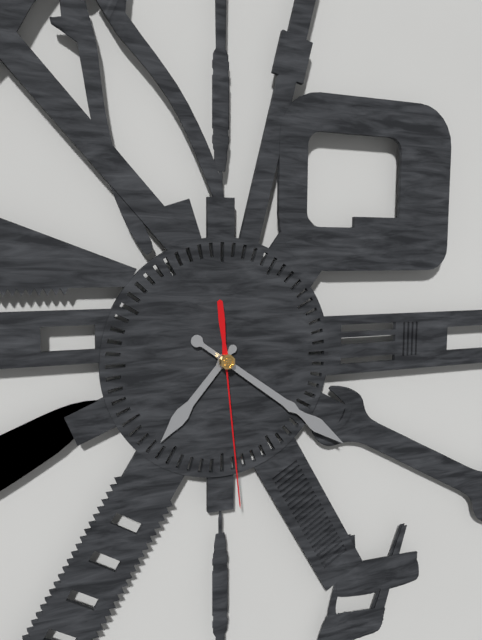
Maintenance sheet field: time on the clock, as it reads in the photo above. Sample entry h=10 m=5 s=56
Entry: h=7 m=21 s=29
